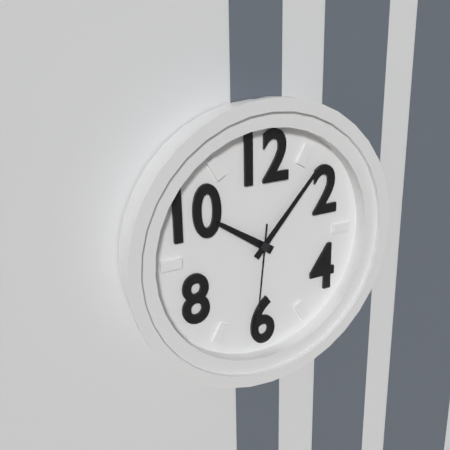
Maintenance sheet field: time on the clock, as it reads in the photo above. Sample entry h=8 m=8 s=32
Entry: h=10 m=7 s=31
